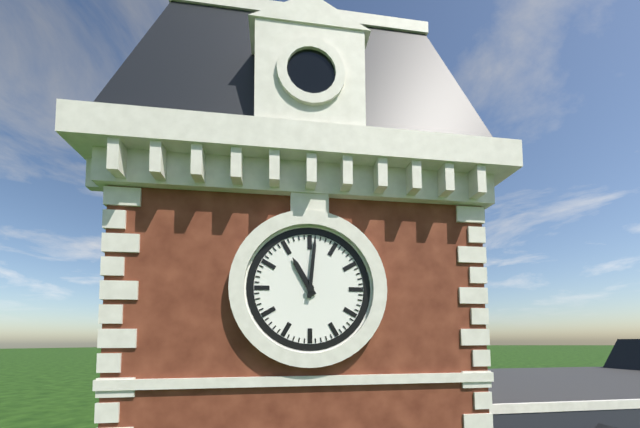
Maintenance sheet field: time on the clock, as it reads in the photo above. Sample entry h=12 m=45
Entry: h=11 m=1
